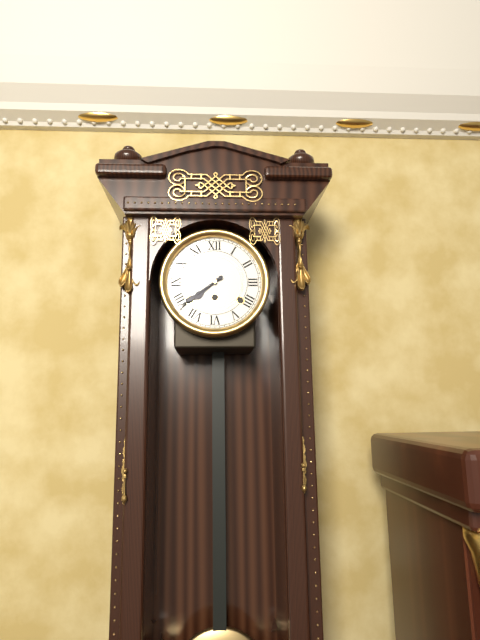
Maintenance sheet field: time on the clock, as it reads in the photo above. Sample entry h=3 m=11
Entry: h=7 m=39
